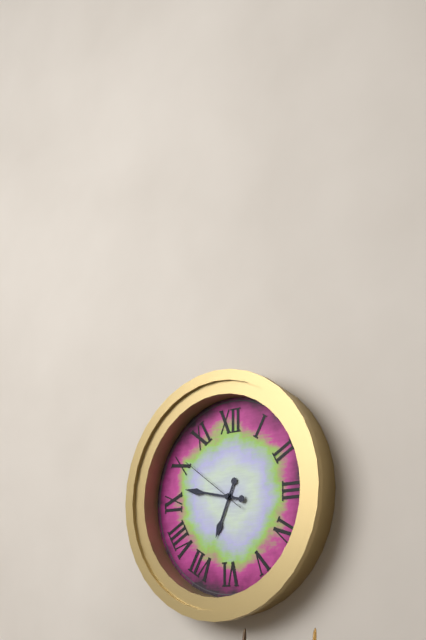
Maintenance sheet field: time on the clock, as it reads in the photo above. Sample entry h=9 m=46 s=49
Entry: h=6 m=47 s=51
